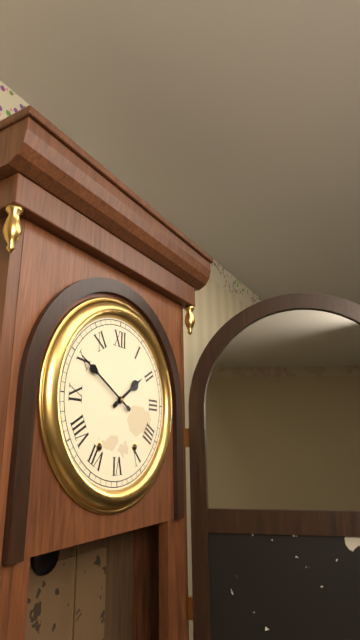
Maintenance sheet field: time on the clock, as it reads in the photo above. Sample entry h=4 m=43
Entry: h=1 m=50
